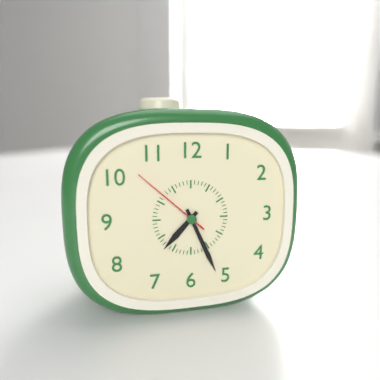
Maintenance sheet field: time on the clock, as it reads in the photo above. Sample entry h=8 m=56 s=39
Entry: h=7 m=26 s=52
